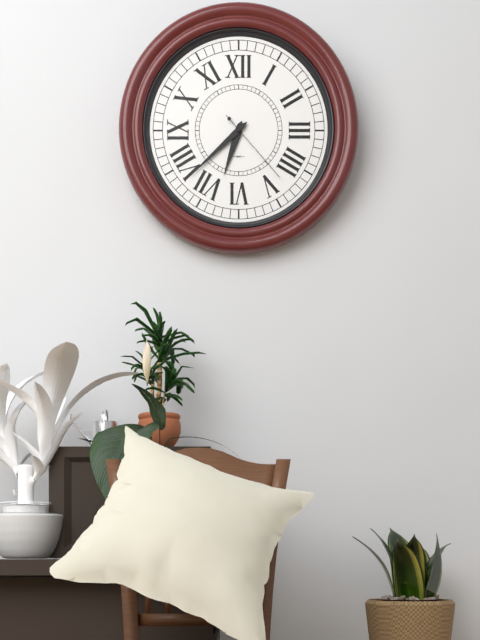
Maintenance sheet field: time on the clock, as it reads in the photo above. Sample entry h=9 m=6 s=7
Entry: h=6 m=38 s=23
